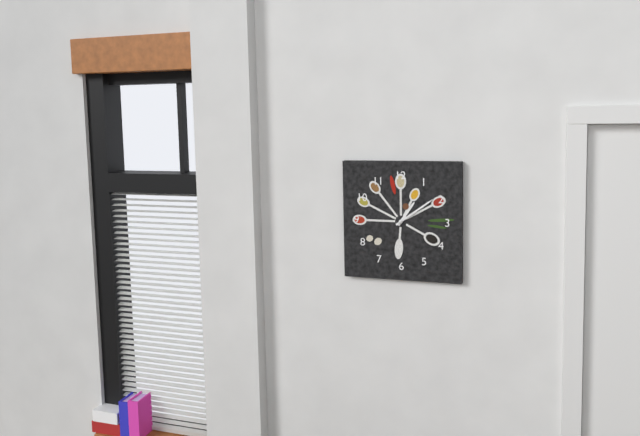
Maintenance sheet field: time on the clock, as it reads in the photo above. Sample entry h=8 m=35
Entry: h=1 m=9
